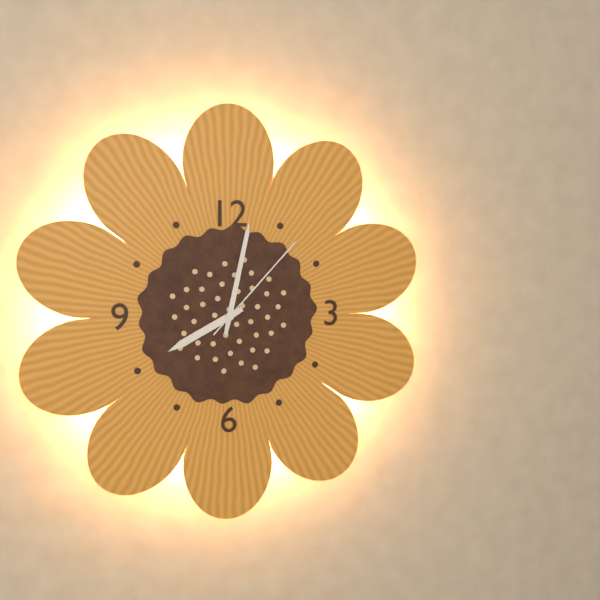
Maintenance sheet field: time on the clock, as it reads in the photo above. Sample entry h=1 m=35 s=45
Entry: h=8 m=2 s=7
